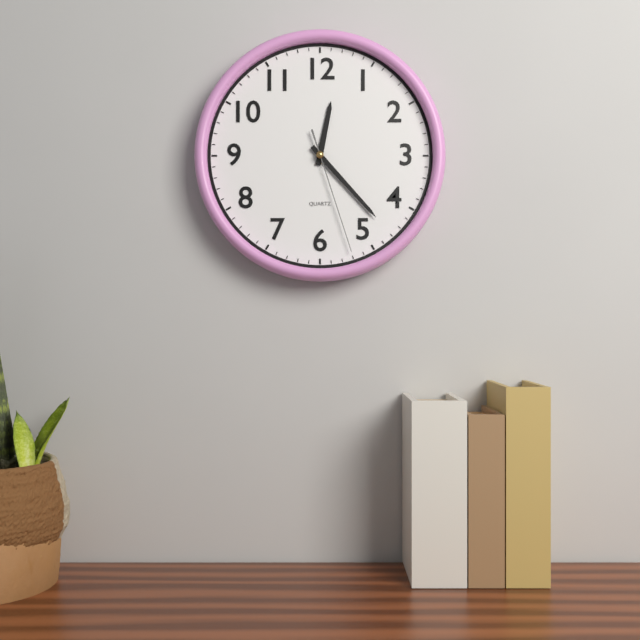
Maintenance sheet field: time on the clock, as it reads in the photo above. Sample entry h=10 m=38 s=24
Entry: h=12 m=23 s=27
